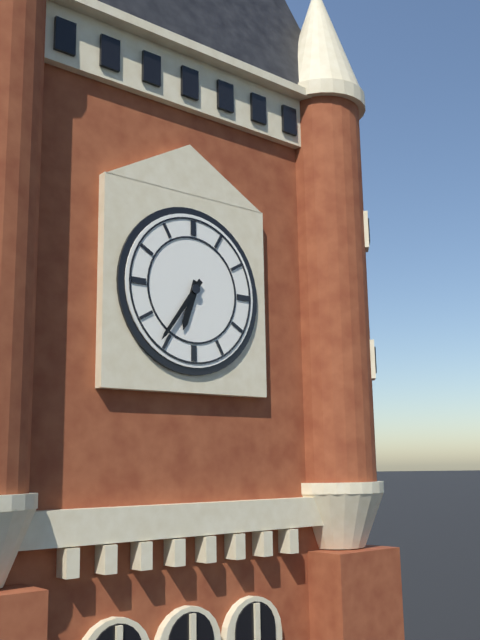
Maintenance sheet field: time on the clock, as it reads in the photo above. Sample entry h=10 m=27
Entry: h=6 m=36
